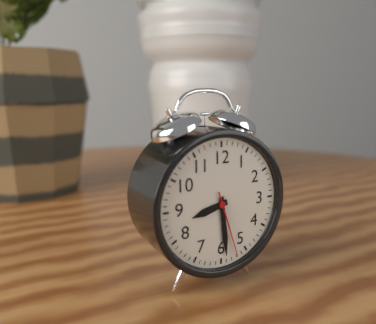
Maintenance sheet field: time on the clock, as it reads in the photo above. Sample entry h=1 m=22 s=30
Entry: h=8 m=29 s=27
